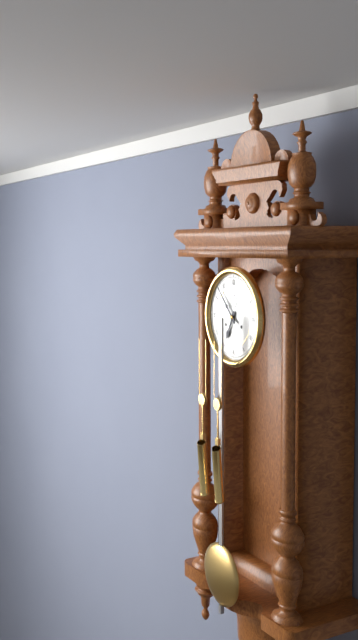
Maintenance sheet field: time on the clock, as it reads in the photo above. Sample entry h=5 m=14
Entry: h=6 m=53
